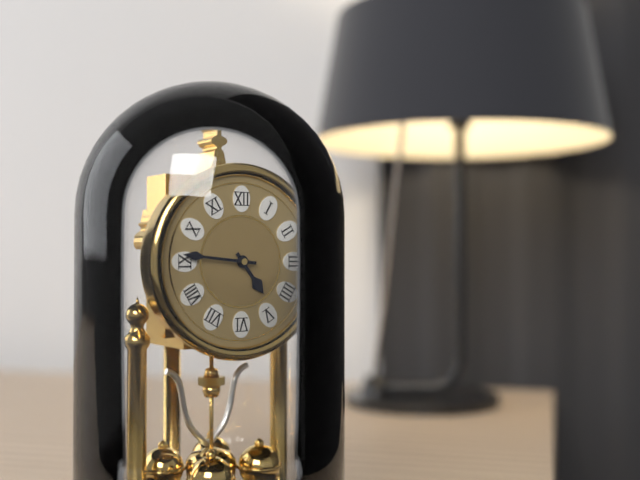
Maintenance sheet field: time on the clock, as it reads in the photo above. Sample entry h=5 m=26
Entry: h=4 m=46
